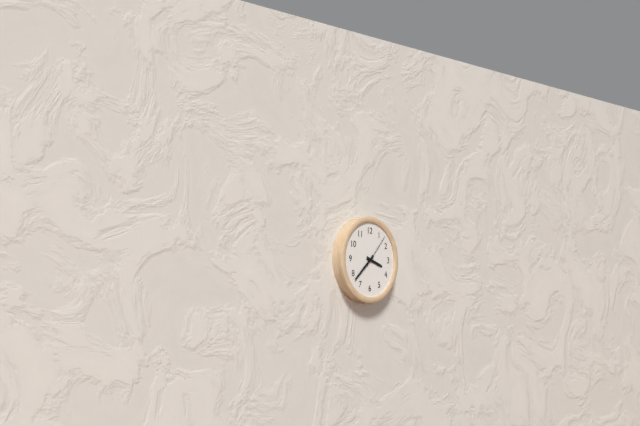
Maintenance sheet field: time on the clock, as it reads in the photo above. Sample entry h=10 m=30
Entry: h=3 m=38
